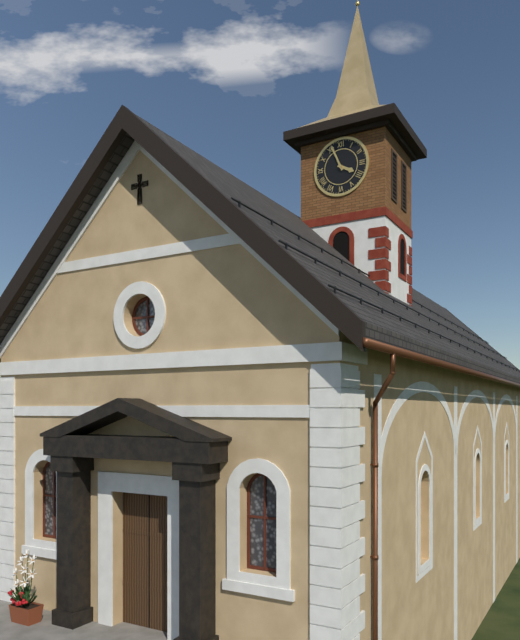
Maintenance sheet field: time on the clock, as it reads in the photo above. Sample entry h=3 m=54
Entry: h=3 m=56
